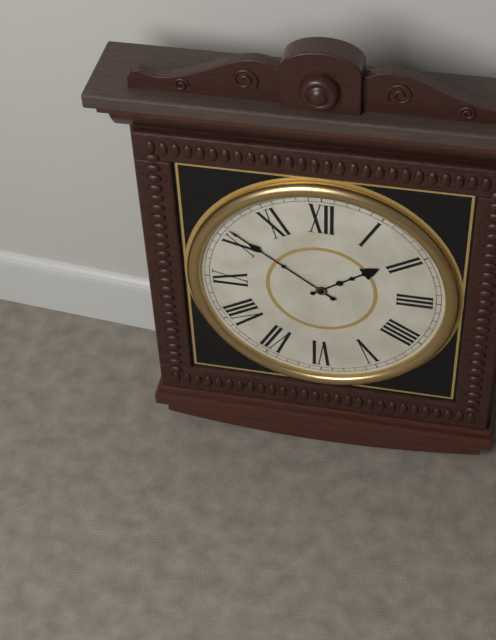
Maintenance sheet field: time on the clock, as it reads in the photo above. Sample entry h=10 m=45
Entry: h=1 m=51
